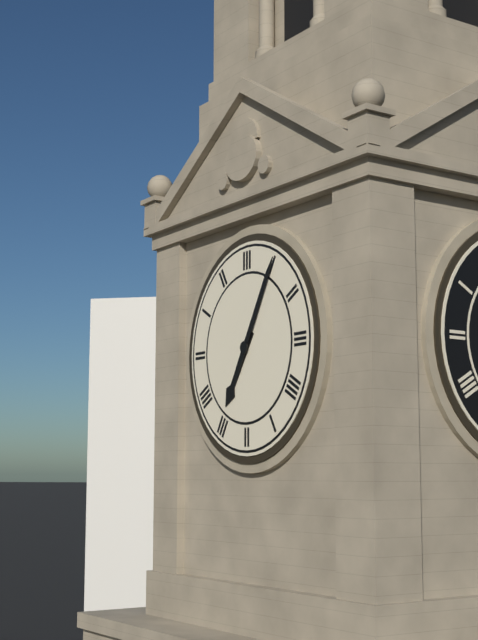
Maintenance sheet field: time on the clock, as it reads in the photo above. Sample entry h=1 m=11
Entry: h=7 m=5
